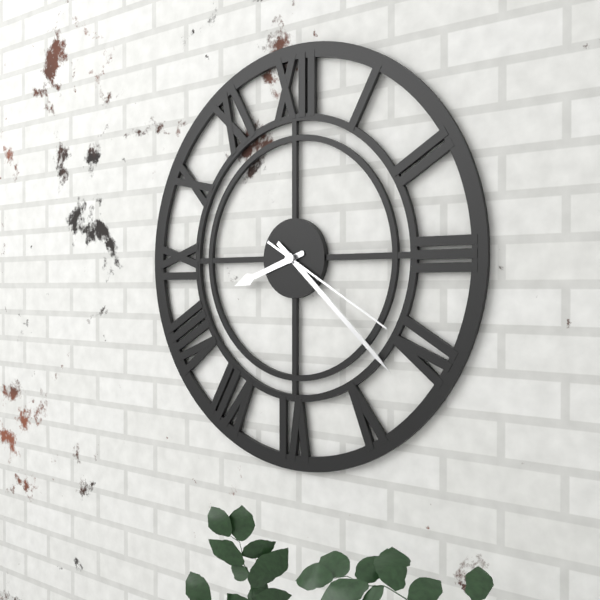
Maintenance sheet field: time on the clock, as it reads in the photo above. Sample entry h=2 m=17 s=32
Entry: h=8 m=22 s=20
